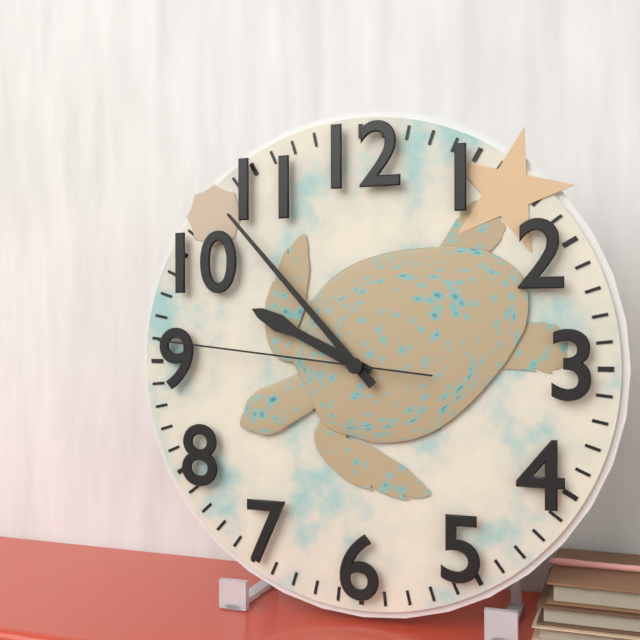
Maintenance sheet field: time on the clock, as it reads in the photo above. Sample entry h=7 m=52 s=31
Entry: h=9 m=53 s=46
